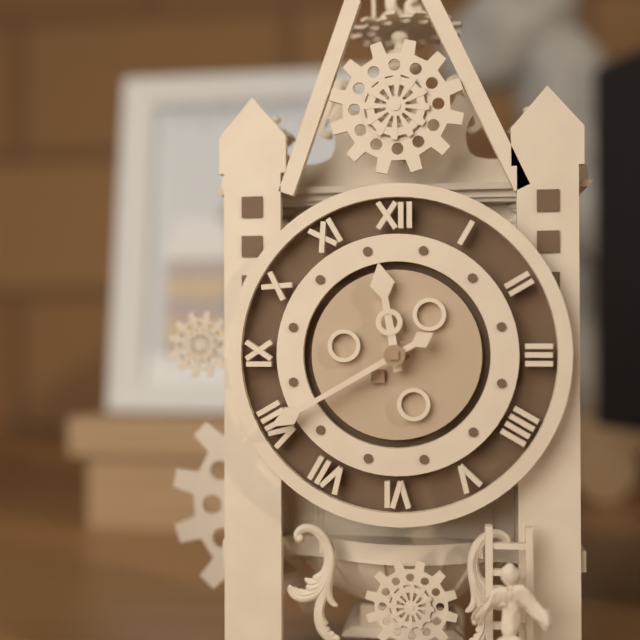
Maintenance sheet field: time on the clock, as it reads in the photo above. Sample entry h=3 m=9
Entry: h=11 m=40
